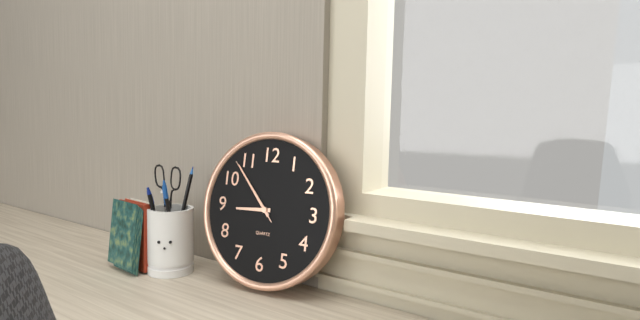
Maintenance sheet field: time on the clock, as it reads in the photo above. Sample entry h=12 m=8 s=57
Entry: h=8 m=53 s=53
